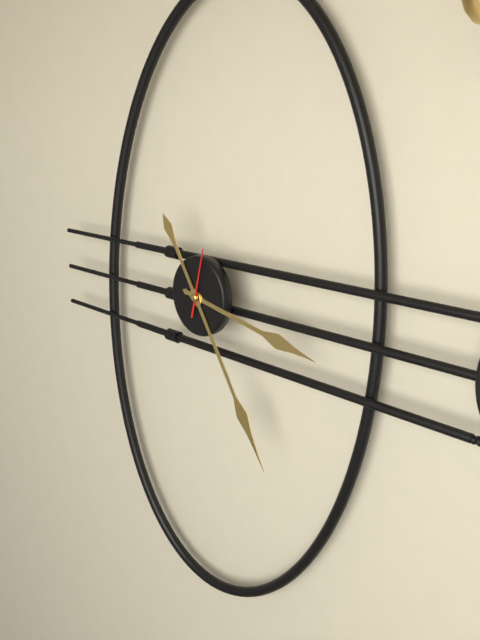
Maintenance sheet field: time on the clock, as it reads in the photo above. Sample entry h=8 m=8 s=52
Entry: h=3 m=25 s=2
